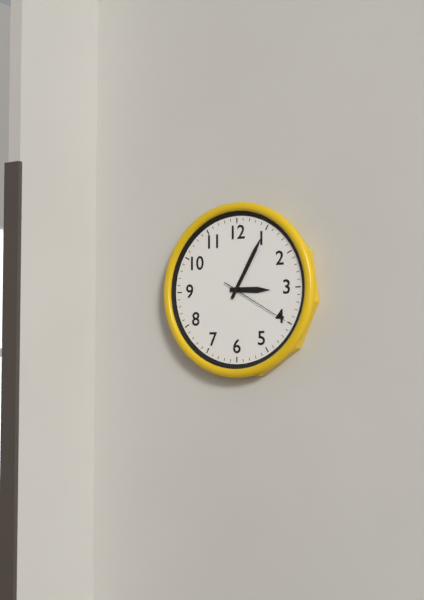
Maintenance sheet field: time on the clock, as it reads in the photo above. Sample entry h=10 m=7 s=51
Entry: h=3 m=5 s=20
